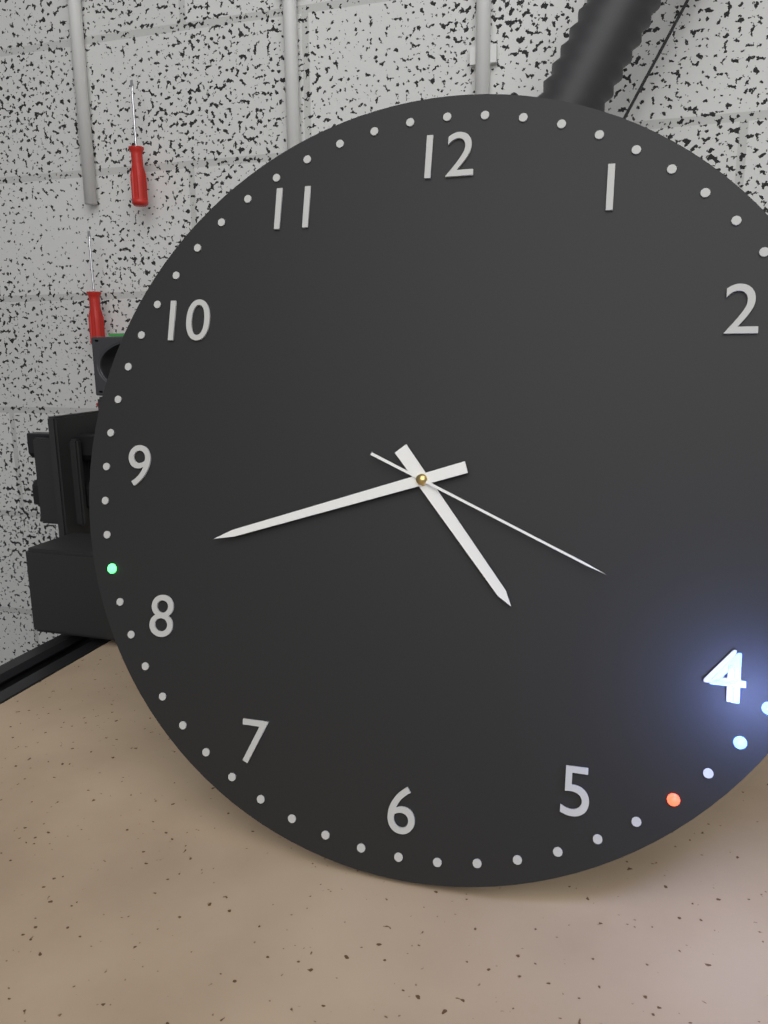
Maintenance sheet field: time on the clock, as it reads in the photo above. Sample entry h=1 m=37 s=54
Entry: h=4 m=42 s=19
